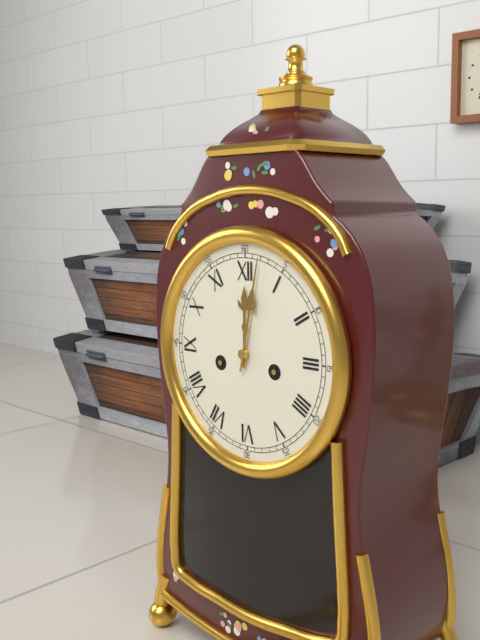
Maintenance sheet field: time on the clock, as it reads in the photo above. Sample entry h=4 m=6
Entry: h=12 m=2
